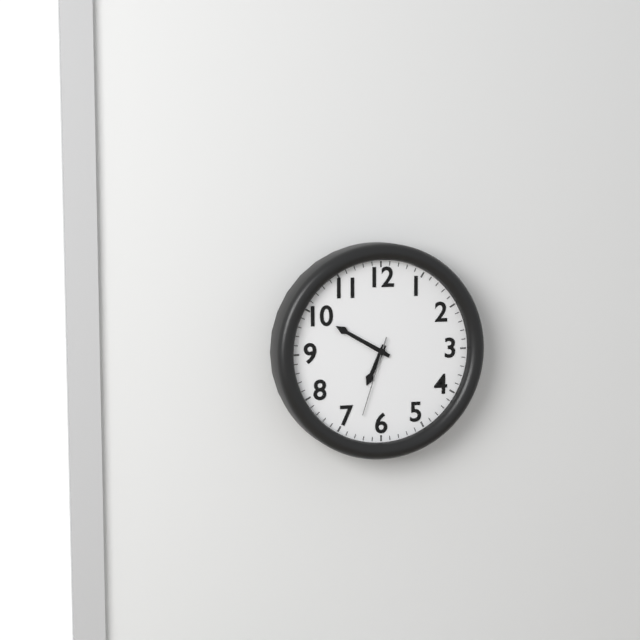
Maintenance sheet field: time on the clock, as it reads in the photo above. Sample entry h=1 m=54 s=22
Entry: h=6 m=50 s=33
